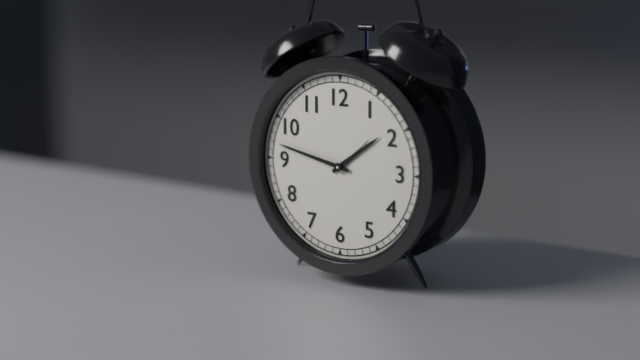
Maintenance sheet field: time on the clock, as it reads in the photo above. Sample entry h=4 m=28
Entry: h=1 m=47
